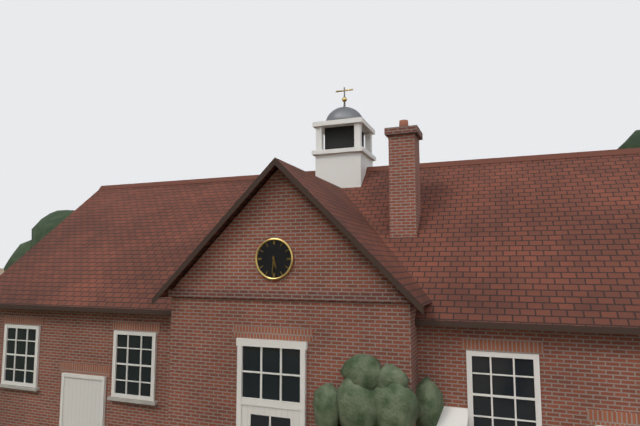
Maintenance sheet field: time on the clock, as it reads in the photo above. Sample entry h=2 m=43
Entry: h=5 m=31
